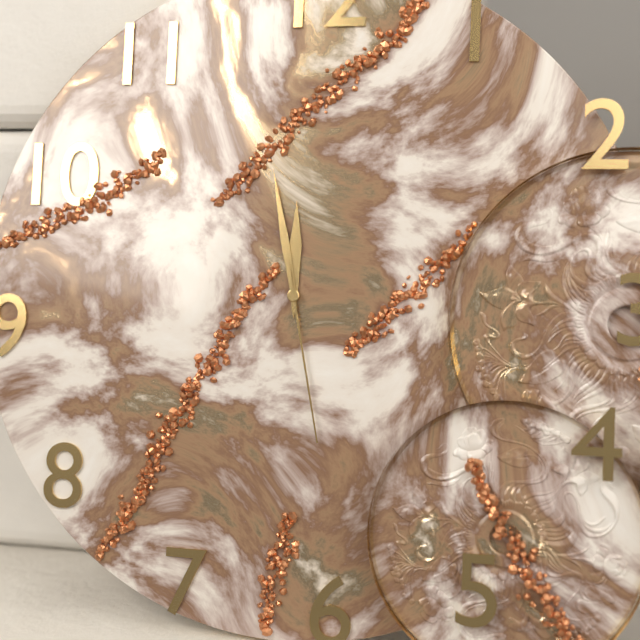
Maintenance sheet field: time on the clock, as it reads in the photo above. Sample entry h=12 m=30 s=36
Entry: h=11 m=58 s=28
